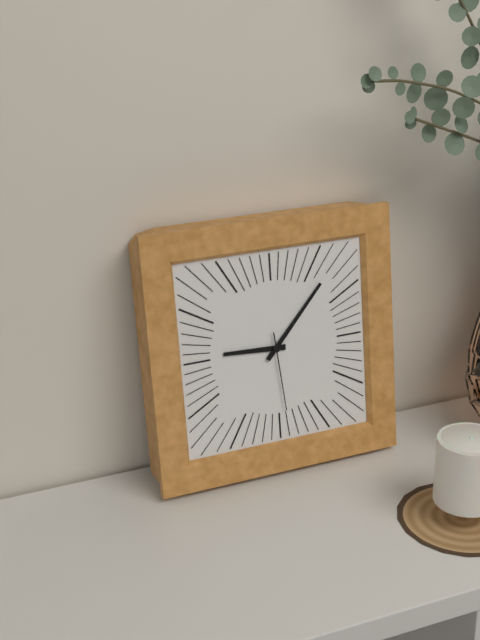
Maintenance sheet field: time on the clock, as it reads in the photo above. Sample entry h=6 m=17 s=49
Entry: h=9 m=7 s=29
